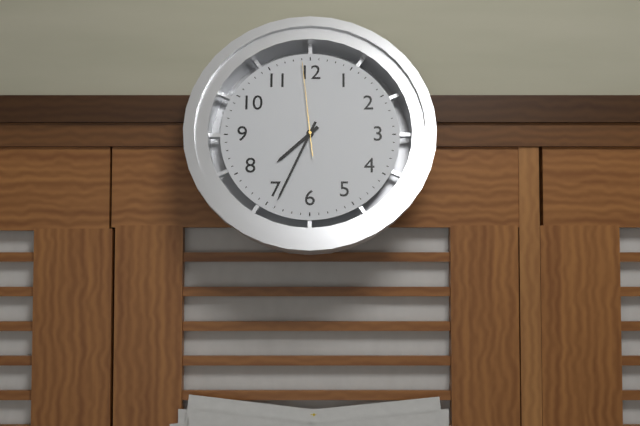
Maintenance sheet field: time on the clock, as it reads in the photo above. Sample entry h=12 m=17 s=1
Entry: h=7 m=34 s=59
